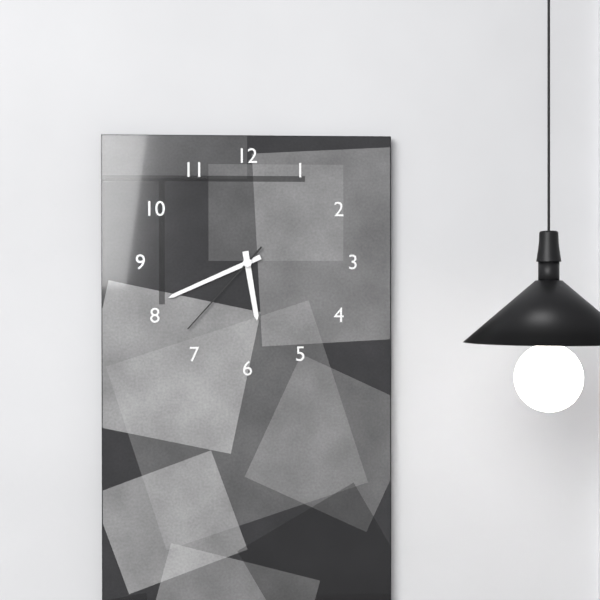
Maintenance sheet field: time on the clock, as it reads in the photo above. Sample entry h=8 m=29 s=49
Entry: h=5 m=41 s=37
